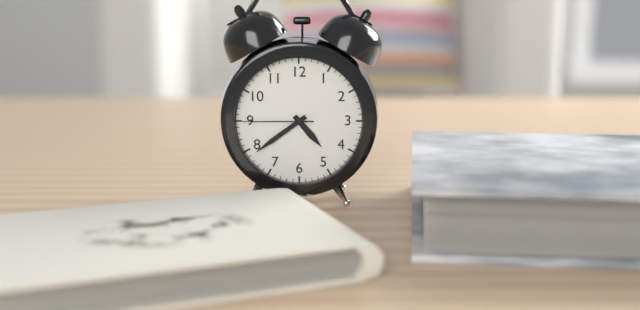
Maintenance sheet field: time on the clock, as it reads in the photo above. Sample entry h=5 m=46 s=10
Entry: h=4 m=39 s=45
